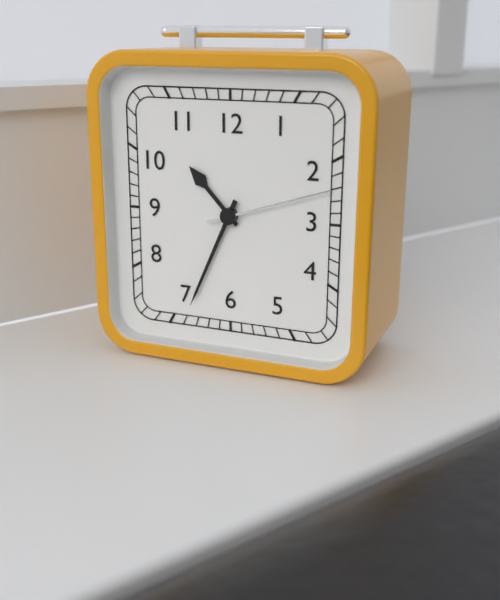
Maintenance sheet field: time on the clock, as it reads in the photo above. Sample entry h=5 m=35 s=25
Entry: h=10 m=34 s=12
